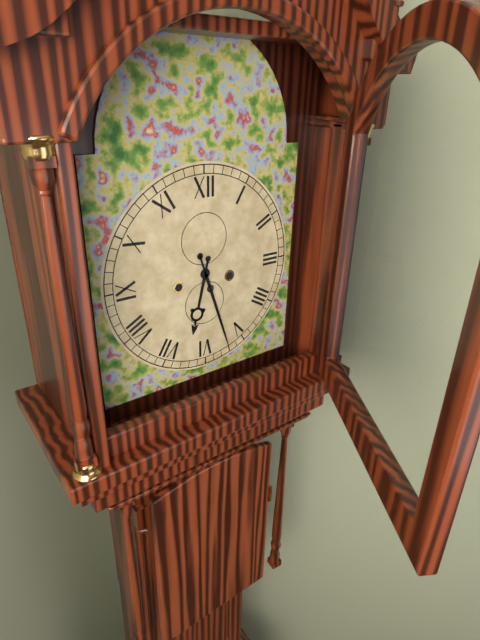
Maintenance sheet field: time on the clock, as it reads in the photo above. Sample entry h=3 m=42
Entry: h=6 m=27
